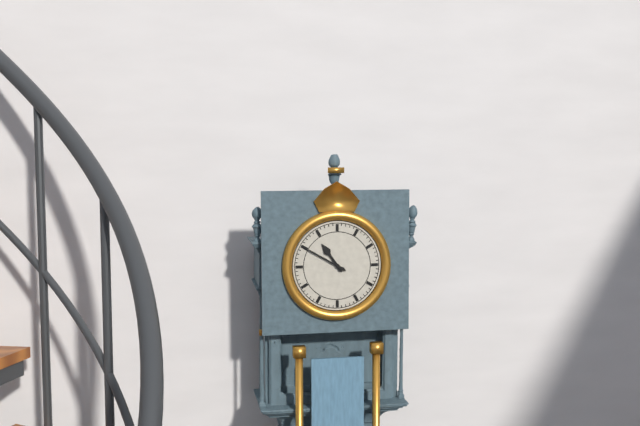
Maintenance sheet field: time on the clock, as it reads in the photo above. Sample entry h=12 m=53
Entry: h=10 m=50
